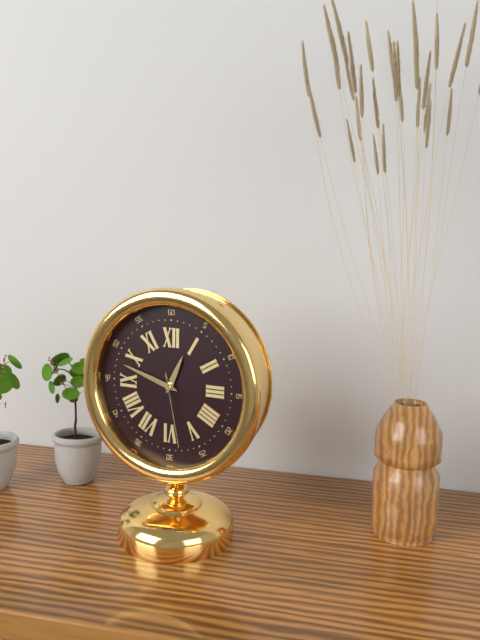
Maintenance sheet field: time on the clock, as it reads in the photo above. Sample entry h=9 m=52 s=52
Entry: h=12 m=48 s=28
